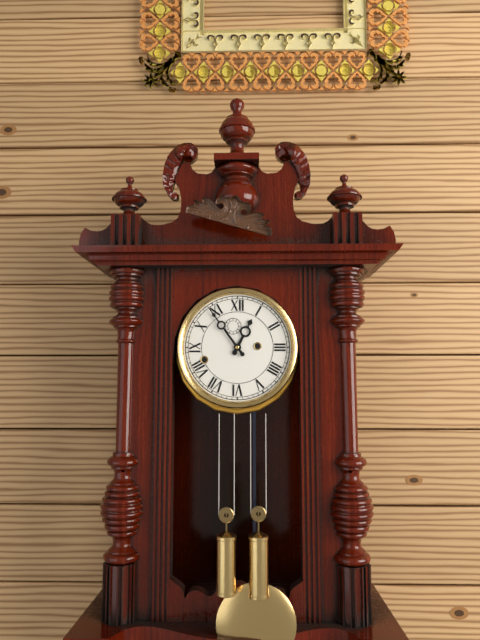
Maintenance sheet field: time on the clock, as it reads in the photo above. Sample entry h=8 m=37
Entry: h=12 m=54
